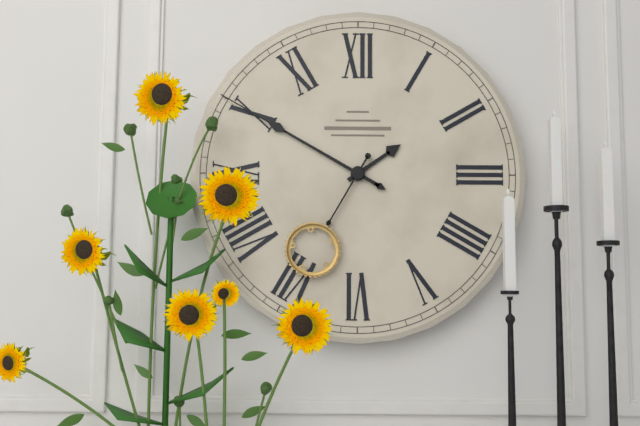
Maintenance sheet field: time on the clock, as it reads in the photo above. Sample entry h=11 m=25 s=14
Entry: h=1 m=50 s=35
